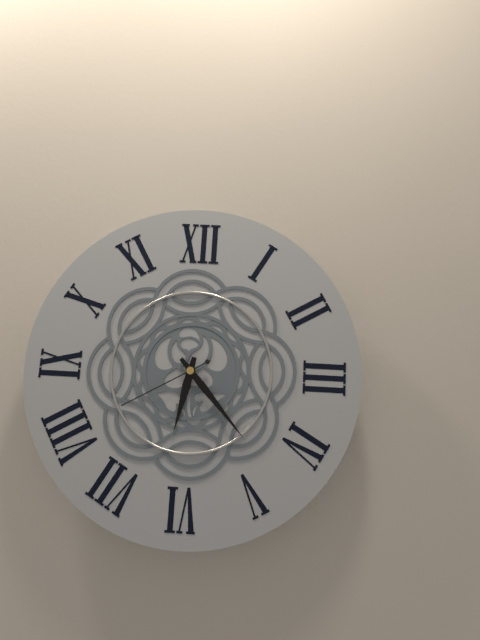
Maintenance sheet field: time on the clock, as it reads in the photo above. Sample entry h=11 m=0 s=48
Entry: h=6 m=23 s=40
